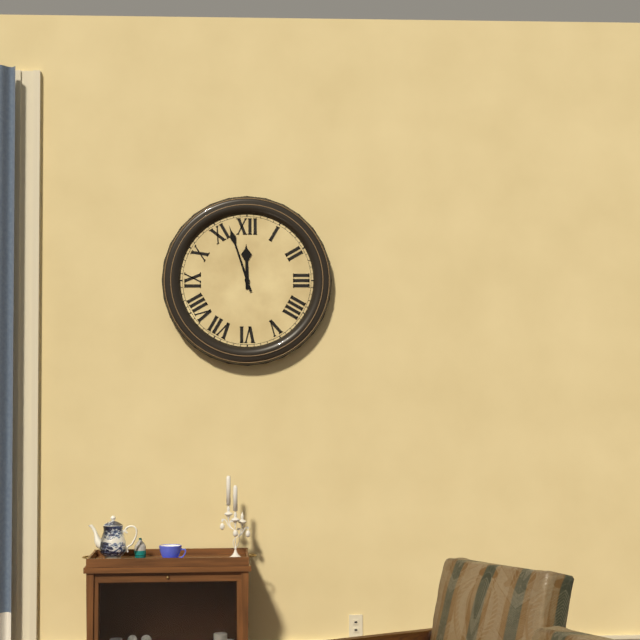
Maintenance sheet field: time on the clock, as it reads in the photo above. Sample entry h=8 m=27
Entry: h=11 m=57
